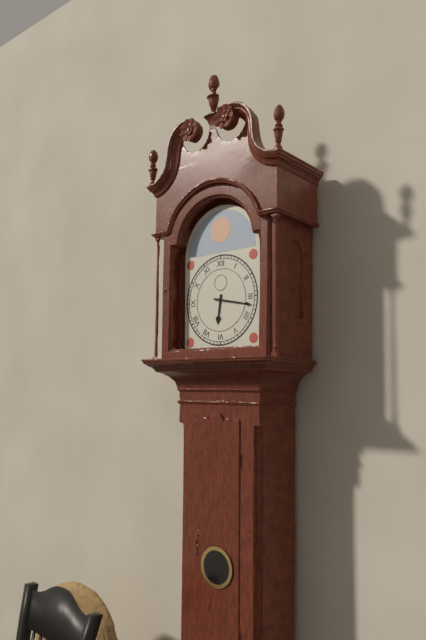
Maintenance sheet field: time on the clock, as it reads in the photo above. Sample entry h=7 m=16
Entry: h=6 m=17
